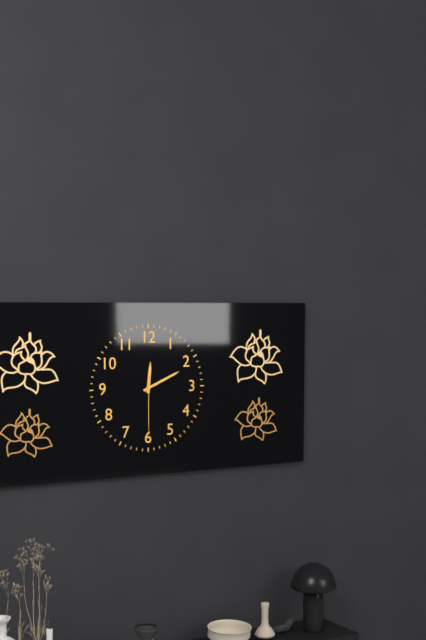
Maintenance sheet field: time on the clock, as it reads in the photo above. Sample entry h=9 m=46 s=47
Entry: h=12 m=11 s=30
